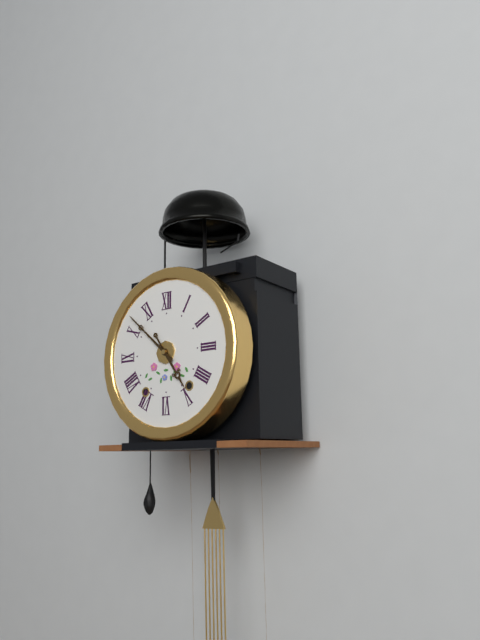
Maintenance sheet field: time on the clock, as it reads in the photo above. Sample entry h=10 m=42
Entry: h=4 m=52
